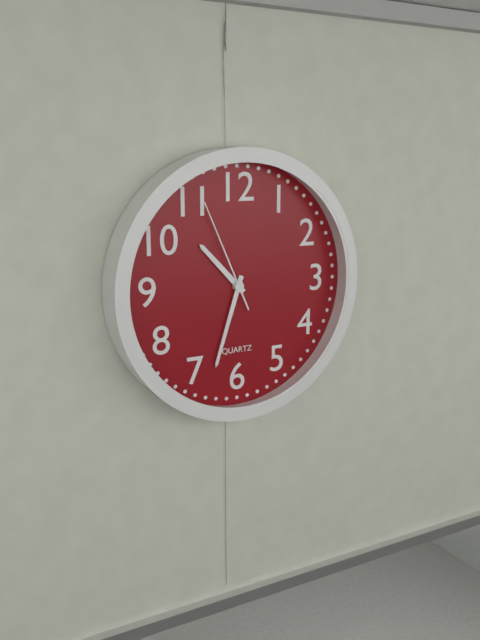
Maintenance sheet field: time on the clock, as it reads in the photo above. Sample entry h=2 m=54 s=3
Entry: h=10 m=33 s=56
